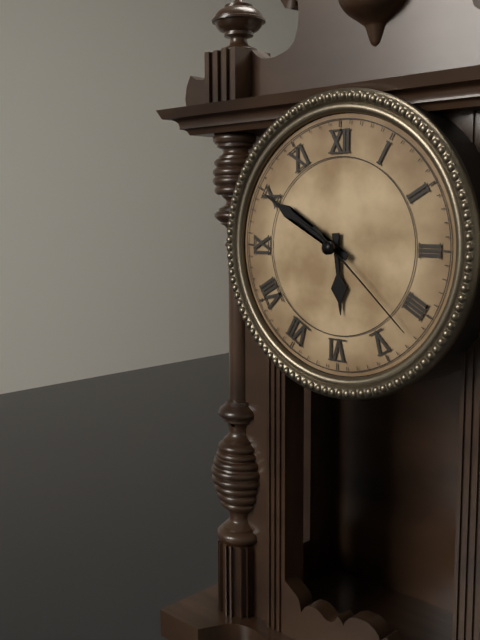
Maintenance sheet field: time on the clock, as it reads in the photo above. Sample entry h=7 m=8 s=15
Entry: h=5 m=50 s=22
